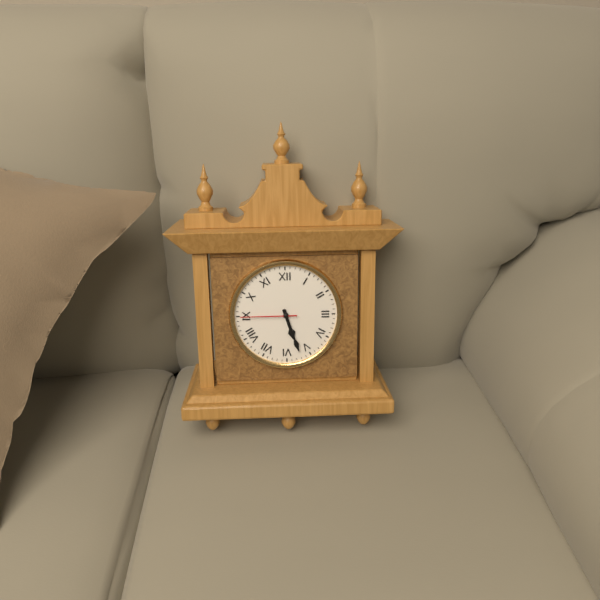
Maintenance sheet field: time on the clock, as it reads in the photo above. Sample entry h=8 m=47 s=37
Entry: h=5 m=27 s=45
